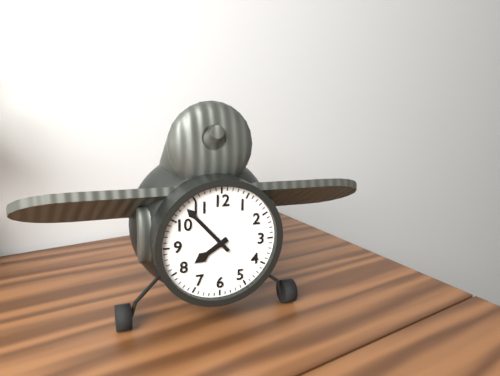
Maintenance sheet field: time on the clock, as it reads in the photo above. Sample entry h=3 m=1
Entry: h=7 m=53
